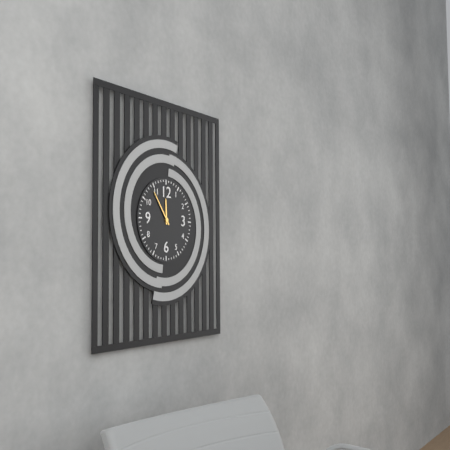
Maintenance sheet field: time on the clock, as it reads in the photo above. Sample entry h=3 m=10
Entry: h=11 m=54
